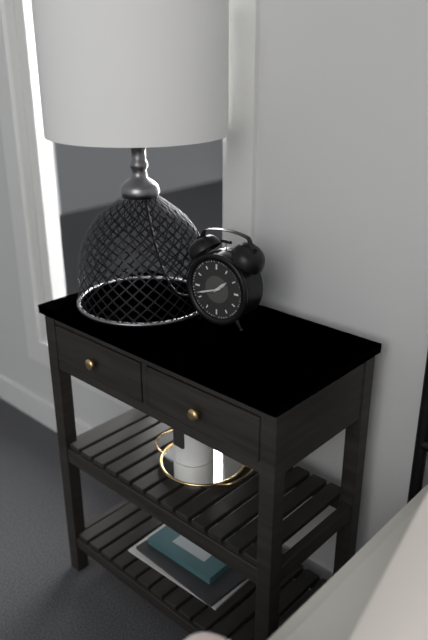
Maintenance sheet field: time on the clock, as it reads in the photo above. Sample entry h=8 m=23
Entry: h=1 m=42
